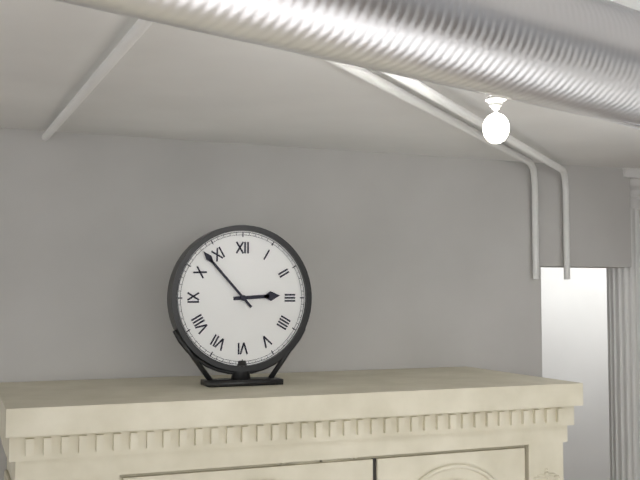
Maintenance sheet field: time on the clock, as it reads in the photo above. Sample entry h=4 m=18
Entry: h=2 m=53
